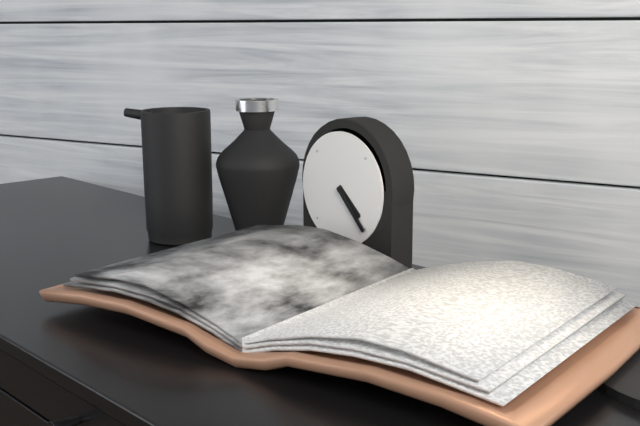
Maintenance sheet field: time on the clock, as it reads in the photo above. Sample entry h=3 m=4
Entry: h=4 m=23
